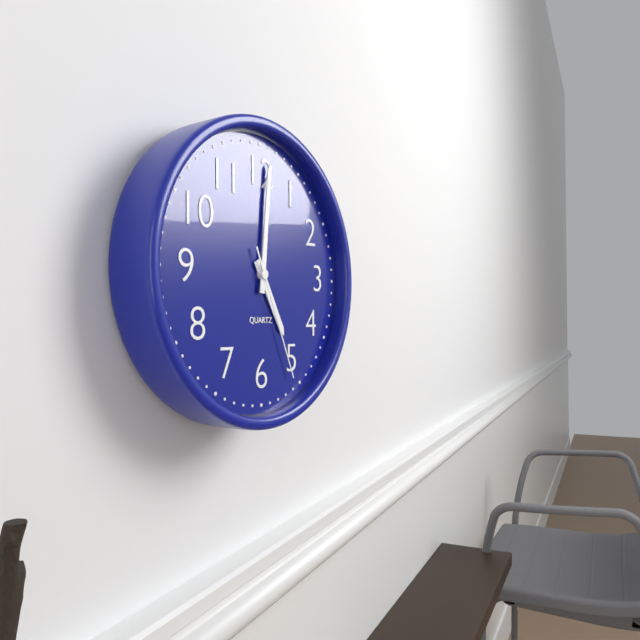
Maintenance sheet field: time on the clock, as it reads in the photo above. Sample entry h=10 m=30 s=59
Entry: h=5 m=1 s=26
